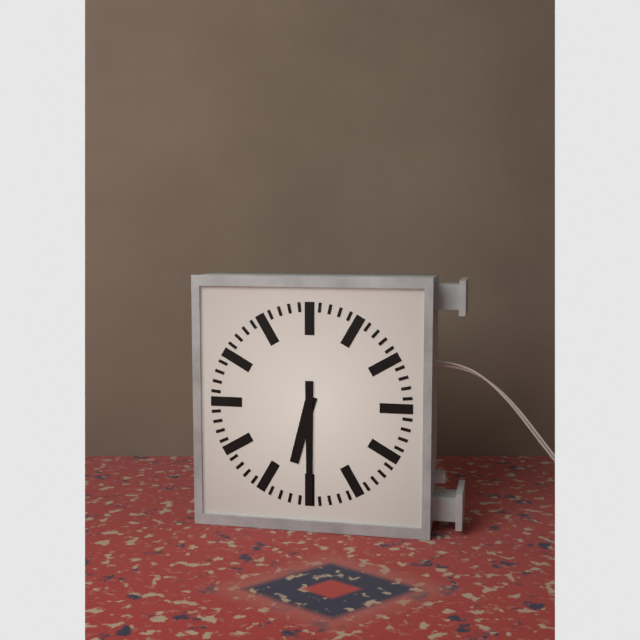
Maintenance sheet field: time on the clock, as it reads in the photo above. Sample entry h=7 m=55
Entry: h=6 m=30
